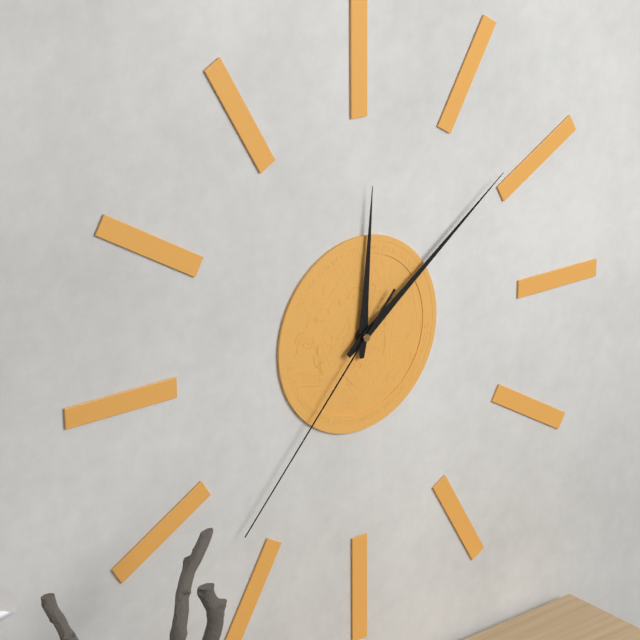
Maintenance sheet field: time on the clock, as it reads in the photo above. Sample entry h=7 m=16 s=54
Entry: h=12 m=9 s=37
